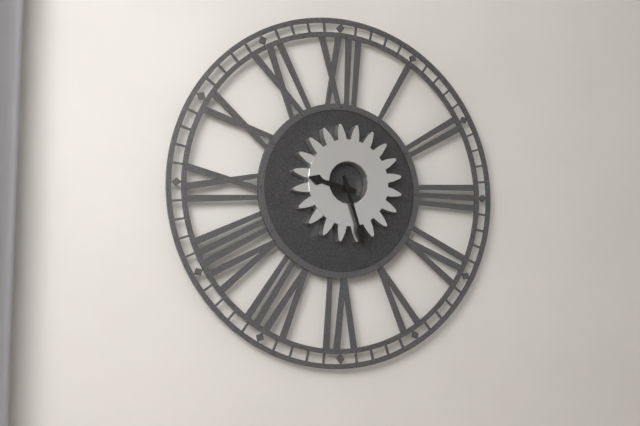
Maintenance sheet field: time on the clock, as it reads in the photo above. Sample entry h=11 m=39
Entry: h=9 m=27
